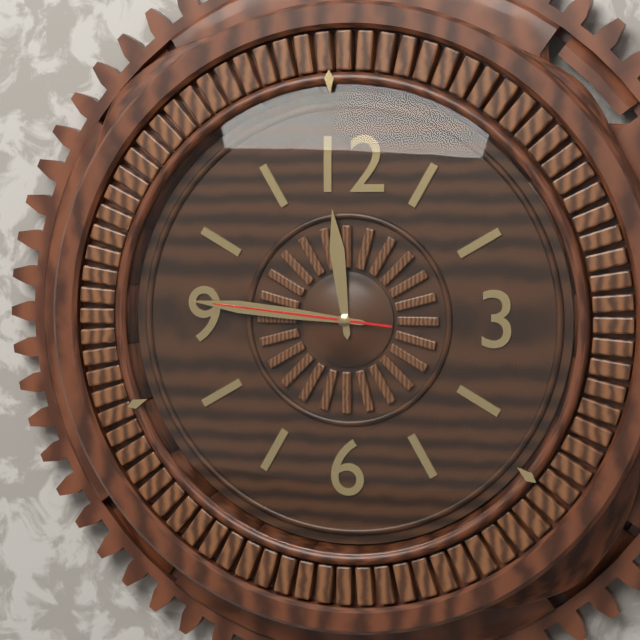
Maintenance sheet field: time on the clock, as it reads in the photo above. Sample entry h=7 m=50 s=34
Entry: h=11 m=46 s=46
